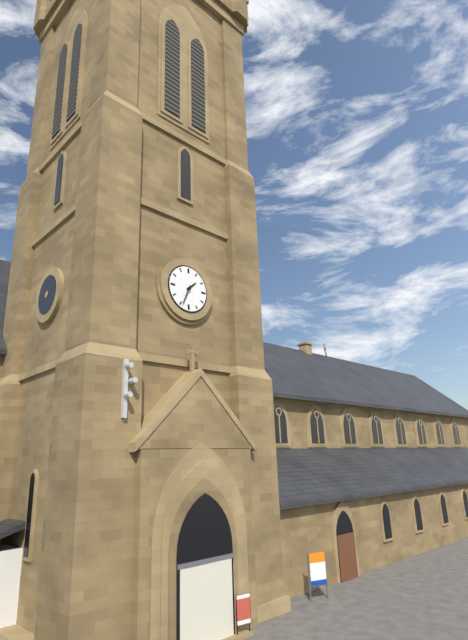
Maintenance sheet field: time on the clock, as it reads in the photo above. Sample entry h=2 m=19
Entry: h=1 m=34
